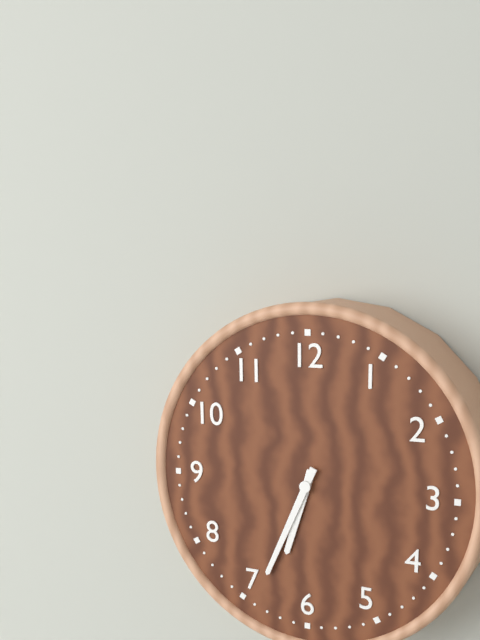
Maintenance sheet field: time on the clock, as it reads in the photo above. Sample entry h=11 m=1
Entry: h=6 m=34
